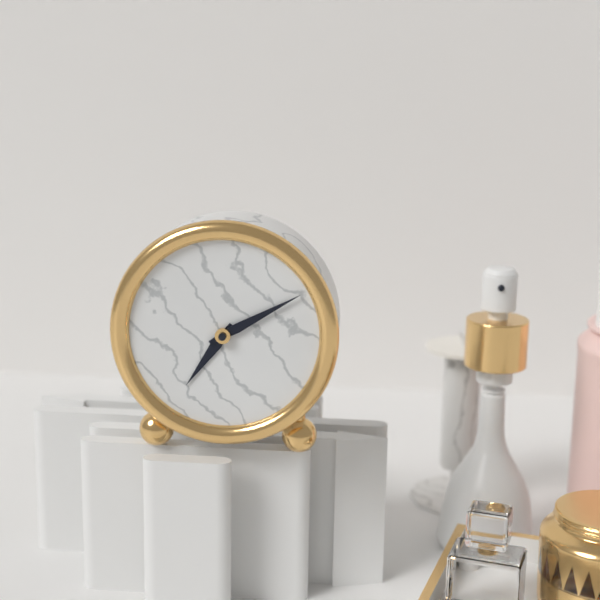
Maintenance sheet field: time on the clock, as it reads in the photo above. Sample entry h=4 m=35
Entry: h=7 m=10
